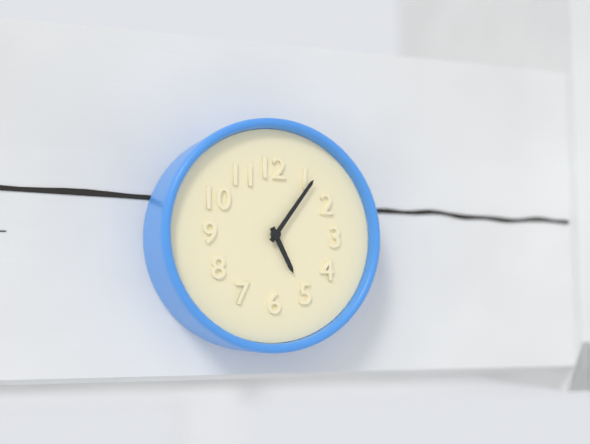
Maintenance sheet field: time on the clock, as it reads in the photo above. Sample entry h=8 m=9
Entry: h=5 m=6
